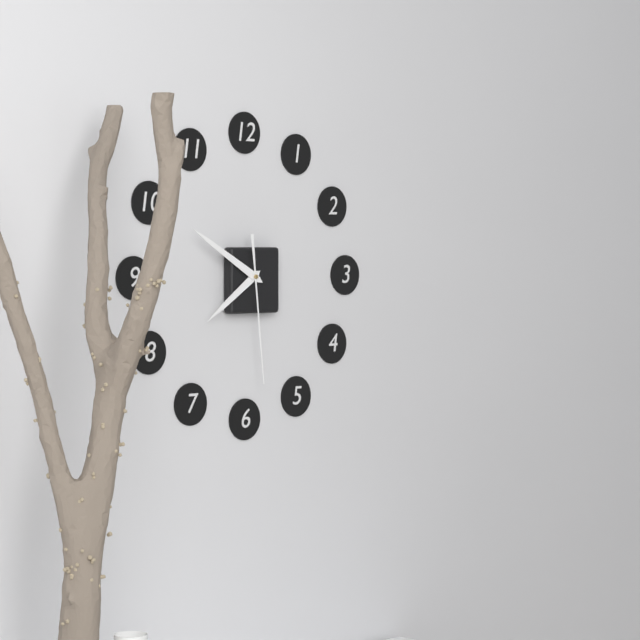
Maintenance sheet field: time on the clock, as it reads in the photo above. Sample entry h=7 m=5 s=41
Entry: h=7 m=50 s=29
